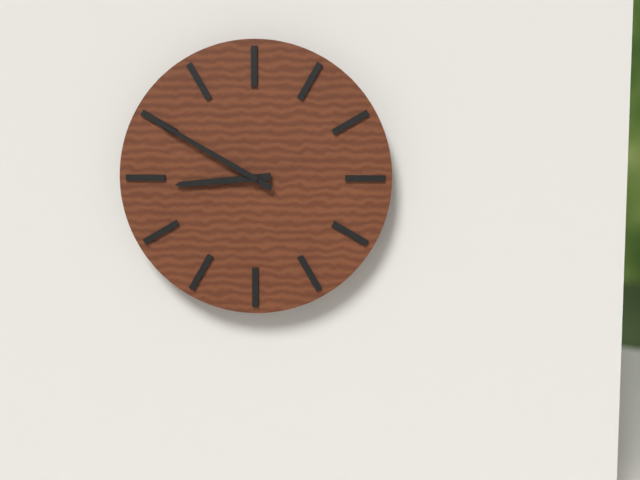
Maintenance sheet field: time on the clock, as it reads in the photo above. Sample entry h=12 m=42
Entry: h=8 m=50
